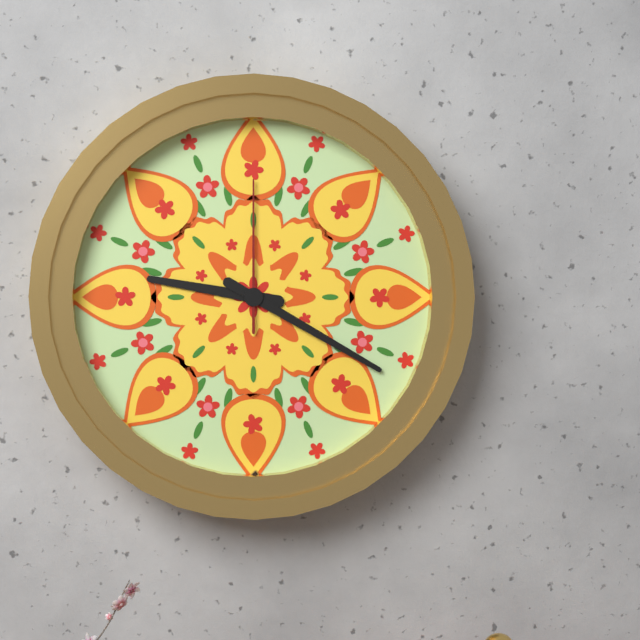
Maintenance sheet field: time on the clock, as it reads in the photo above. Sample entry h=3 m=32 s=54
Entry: h=9 m=20 s=0
